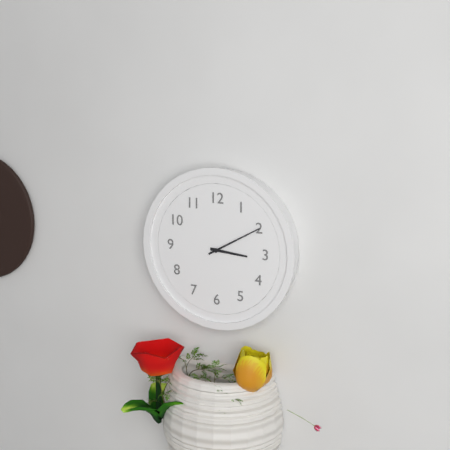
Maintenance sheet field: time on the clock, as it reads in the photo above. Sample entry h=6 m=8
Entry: h=3 m=10
